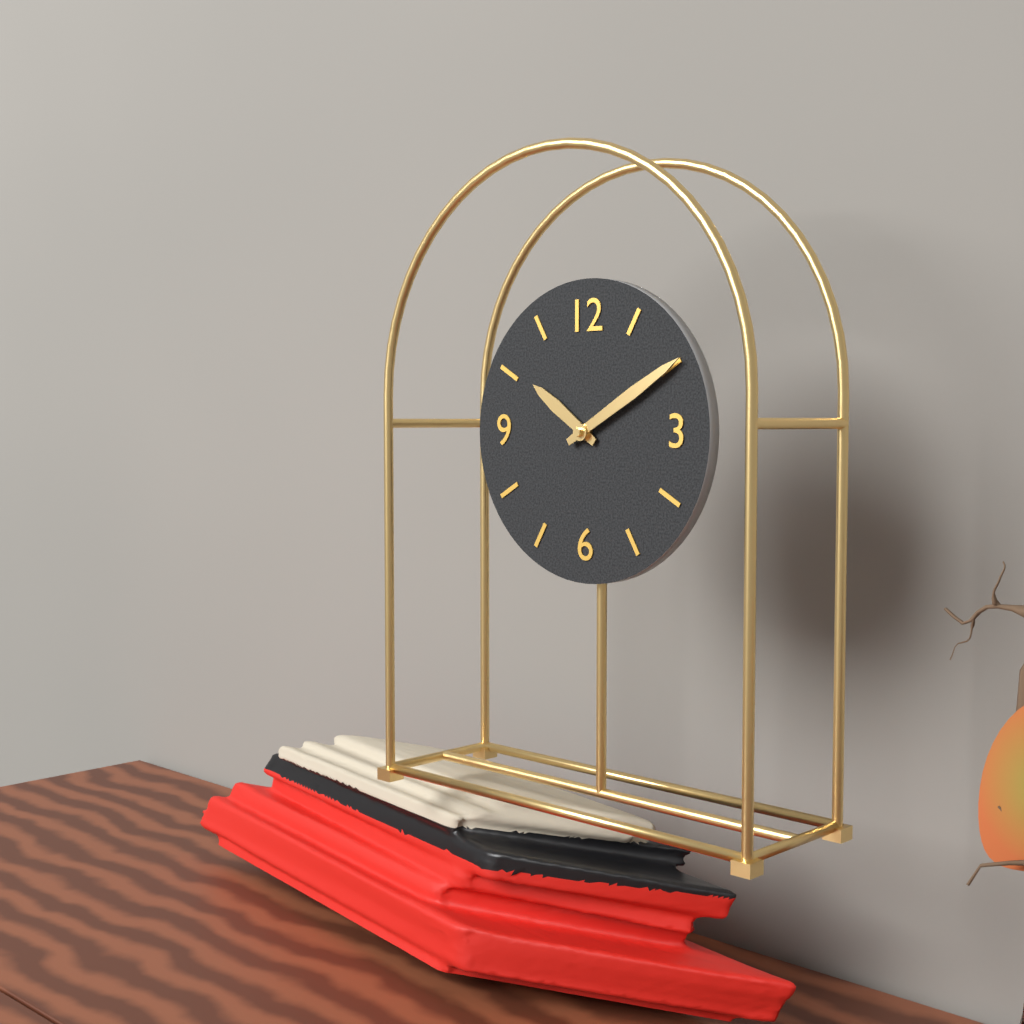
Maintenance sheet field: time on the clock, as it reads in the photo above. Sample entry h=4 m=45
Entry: h=10 m=10
